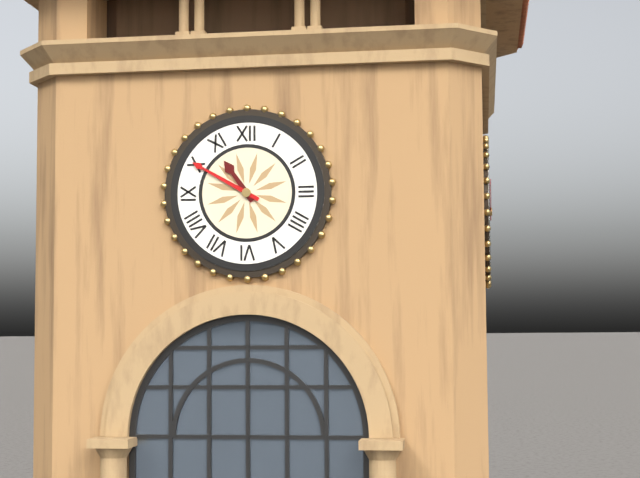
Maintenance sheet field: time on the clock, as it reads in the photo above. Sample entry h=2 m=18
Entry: h=10 m=50
